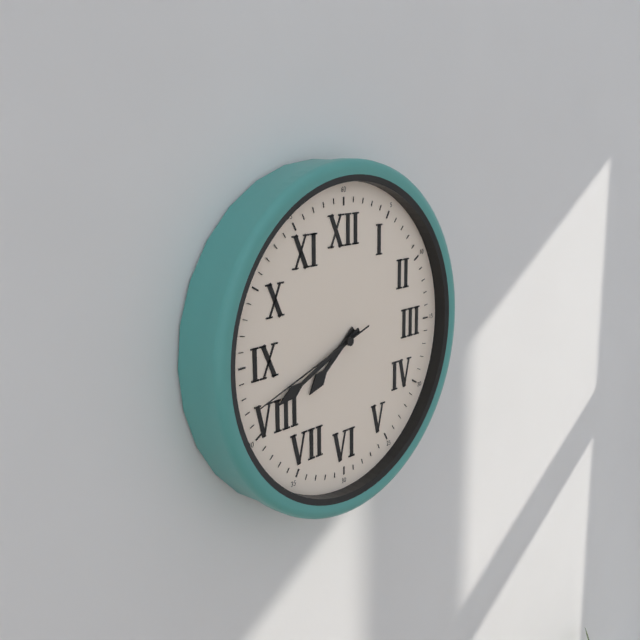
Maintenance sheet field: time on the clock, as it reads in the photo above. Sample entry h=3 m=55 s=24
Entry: h=7 m=41 s=42
